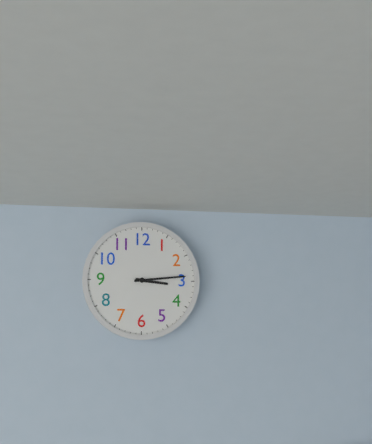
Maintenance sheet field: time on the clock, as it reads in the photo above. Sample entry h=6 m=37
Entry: h=3 m=14
